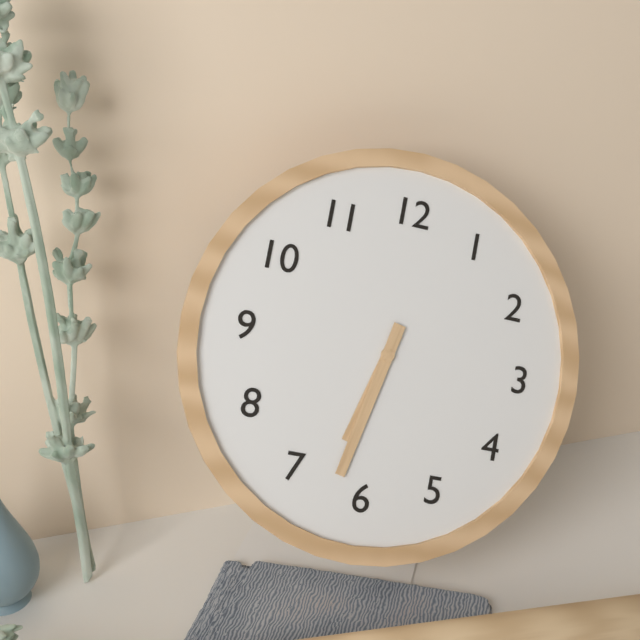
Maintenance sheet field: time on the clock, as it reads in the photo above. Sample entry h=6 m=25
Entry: h=6 m=32
